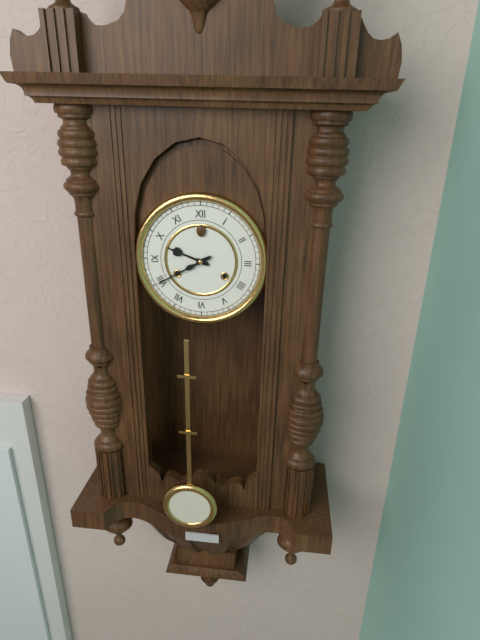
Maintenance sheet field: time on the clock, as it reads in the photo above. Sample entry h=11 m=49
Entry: h=9 m=40
